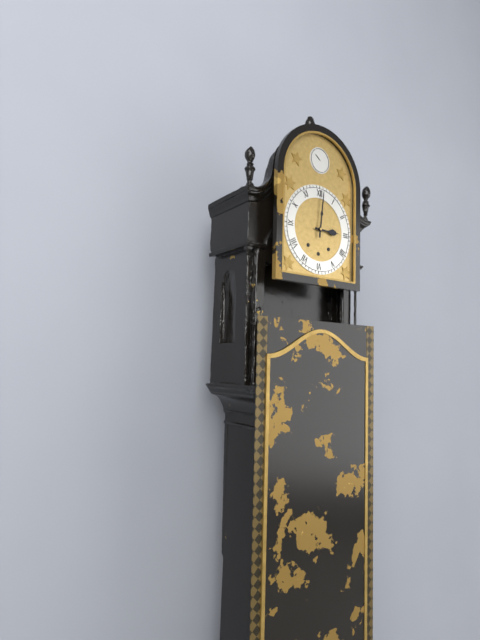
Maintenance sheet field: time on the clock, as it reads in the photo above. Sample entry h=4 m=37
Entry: h=3 m=1
